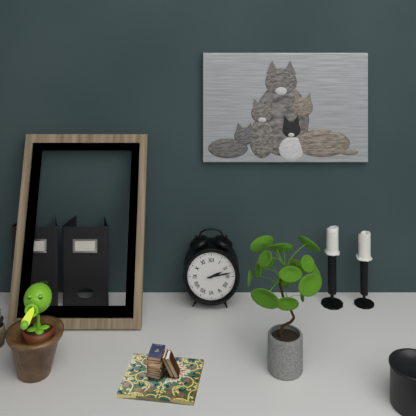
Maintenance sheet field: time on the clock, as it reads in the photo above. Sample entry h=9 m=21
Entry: h=2 m=13
